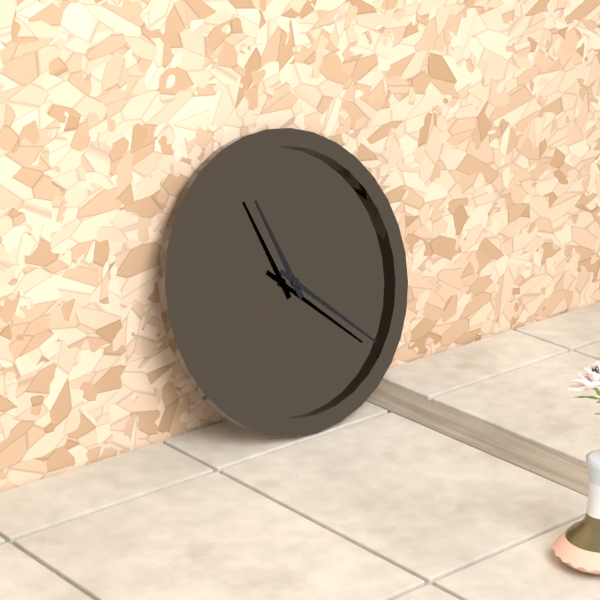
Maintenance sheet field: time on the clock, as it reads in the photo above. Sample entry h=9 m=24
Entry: h=11 m=22
